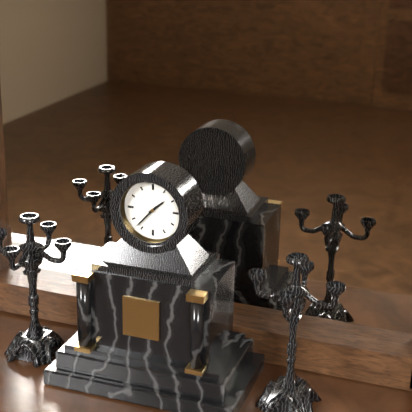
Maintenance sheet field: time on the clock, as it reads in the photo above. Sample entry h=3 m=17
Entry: h=1 m=37
